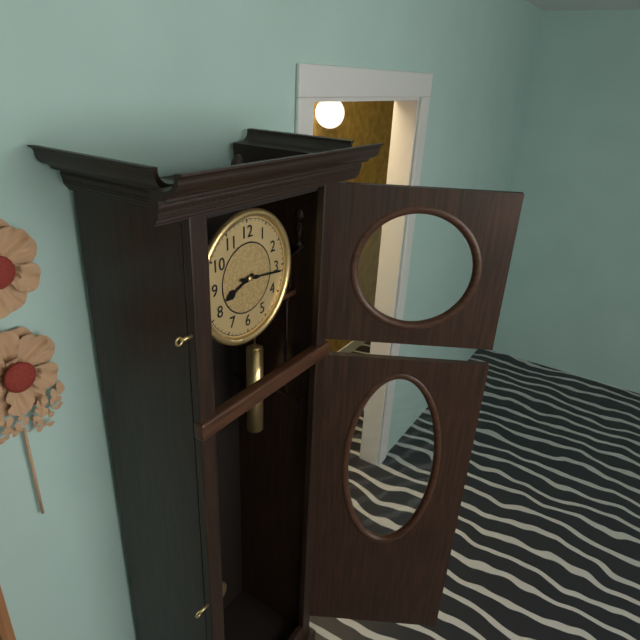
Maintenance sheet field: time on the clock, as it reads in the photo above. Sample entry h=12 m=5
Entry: h=8 m=16
